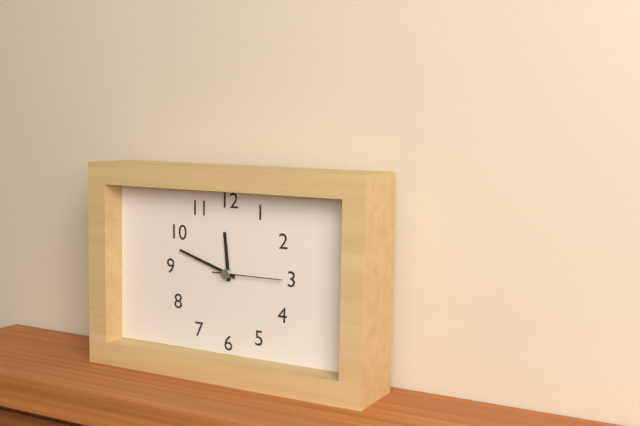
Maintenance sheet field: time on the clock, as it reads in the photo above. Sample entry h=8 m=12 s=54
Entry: h=11 m=48 s=15
